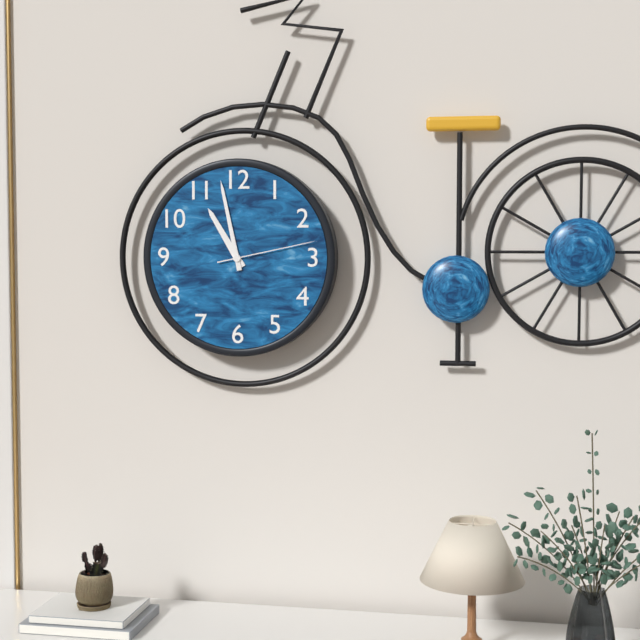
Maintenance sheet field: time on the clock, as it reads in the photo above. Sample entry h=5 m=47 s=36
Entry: h=10 m=58 s=13
